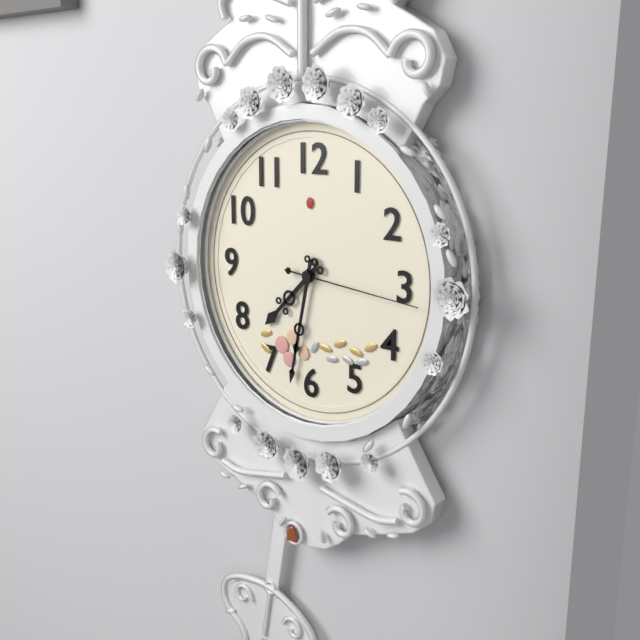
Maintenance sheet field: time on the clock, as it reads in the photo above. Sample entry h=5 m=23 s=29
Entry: h=7 m=32 s=16
